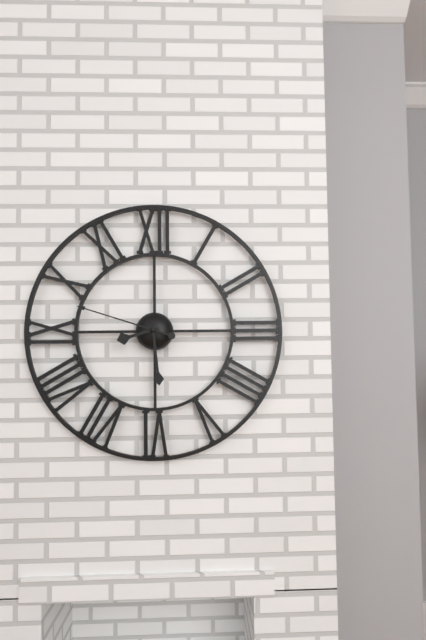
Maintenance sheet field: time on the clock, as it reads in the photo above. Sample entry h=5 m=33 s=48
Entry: h=8 m=29 s=48
